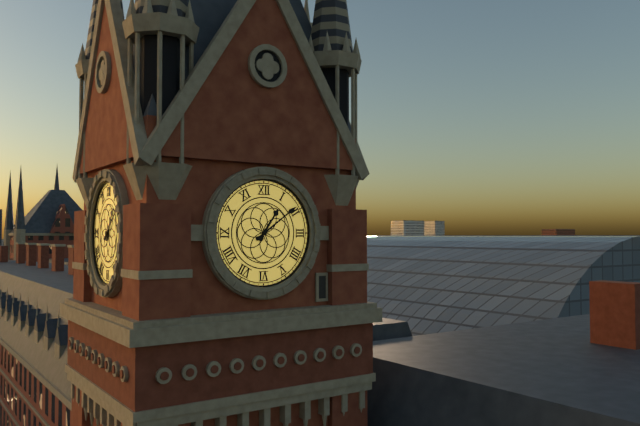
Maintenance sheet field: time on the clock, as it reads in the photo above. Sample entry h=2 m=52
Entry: h=1 m=9
